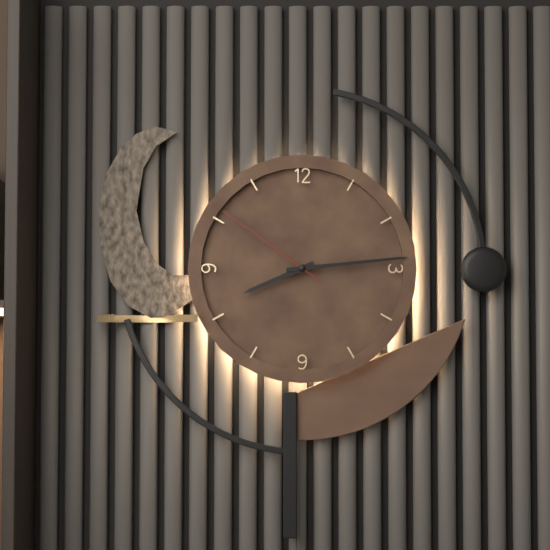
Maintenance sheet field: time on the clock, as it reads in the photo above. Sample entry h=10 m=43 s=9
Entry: h=8 m=14 s=51
